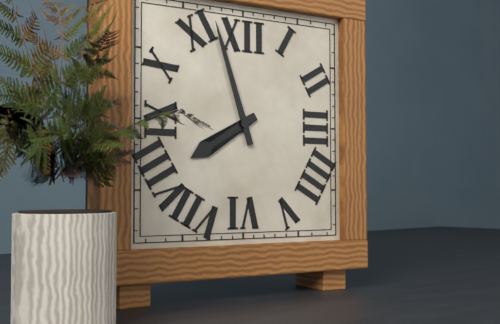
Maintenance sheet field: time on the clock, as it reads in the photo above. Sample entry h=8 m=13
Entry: h=7 m=57
